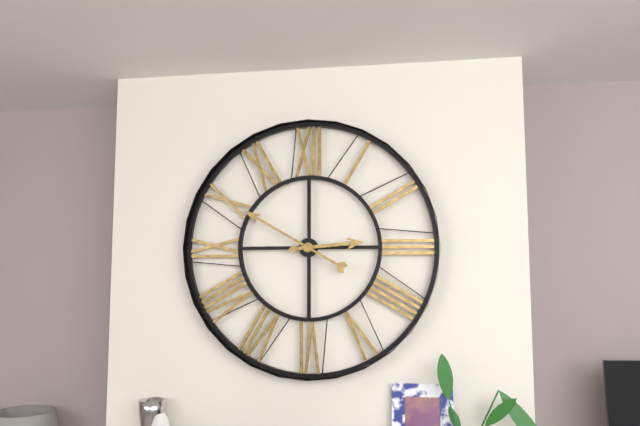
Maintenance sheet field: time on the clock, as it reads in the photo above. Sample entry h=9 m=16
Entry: h=2 m=50
